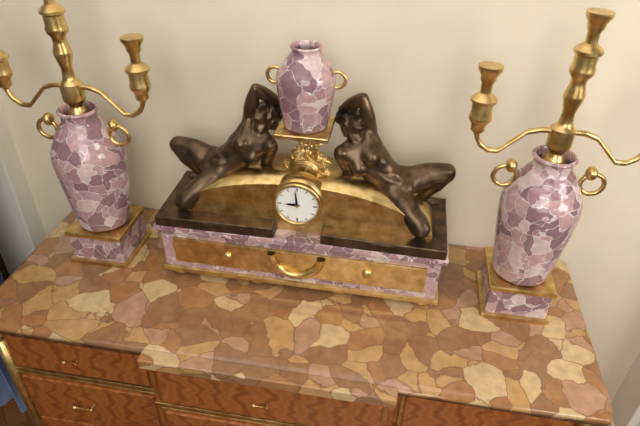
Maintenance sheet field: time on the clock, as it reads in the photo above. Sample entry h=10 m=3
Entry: h=8 m=59
